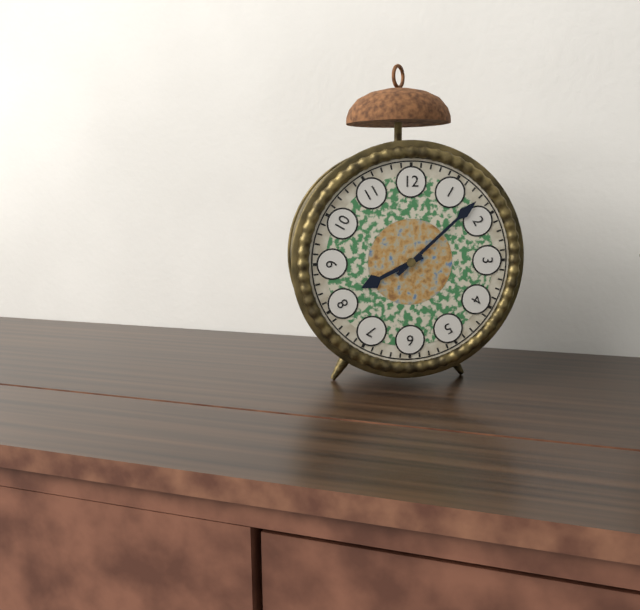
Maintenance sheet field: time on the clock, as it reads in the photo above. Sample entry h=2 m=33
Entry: h=8 m=8
